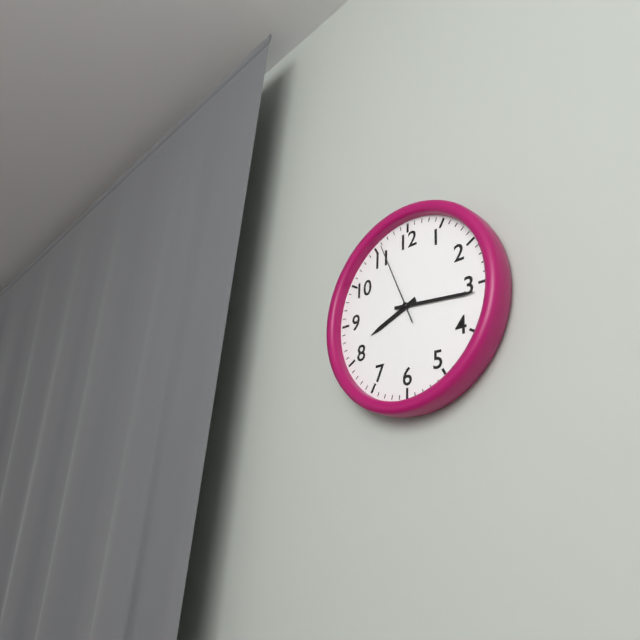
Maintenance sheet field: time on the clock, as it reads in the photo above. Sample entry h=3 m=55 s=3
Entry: h=8 m=16 s=56
